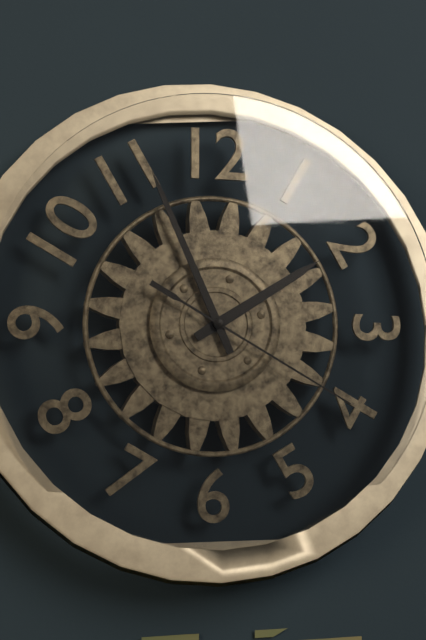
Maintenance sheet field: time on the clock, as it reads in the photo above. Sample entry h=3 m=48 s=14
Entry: h=1 m=56 s=20
